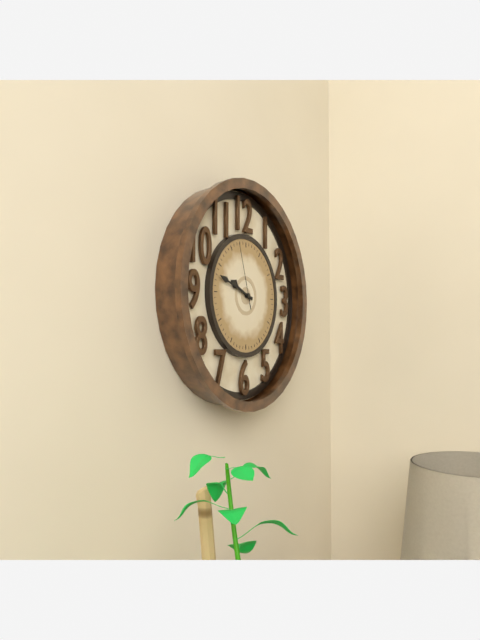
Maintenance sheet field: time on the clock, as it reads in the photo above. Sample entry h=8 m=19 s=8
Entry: h=9 m=48 s=57
